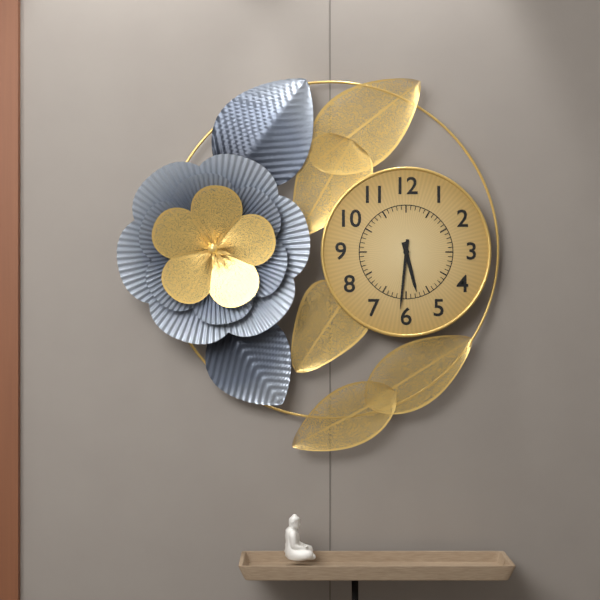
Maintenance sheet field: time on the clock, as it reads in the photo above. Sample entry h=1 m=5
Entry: h=5 m=31
